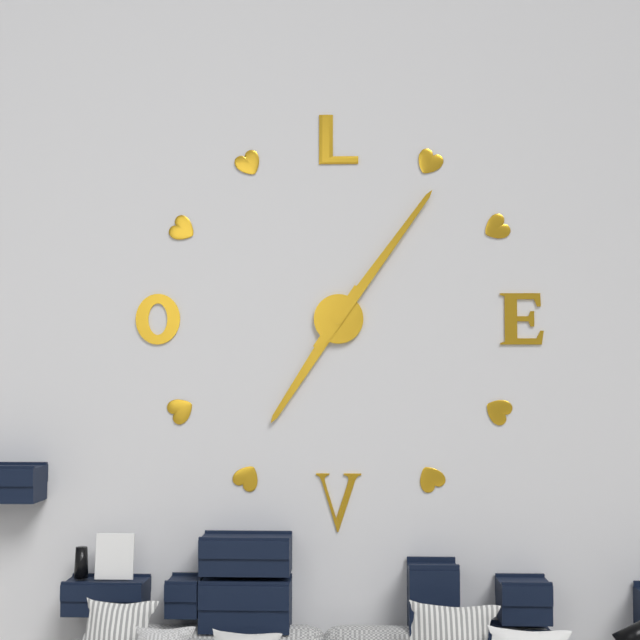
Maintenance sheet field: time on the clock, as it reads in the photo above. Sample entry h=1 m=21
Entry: h=7 m=6
